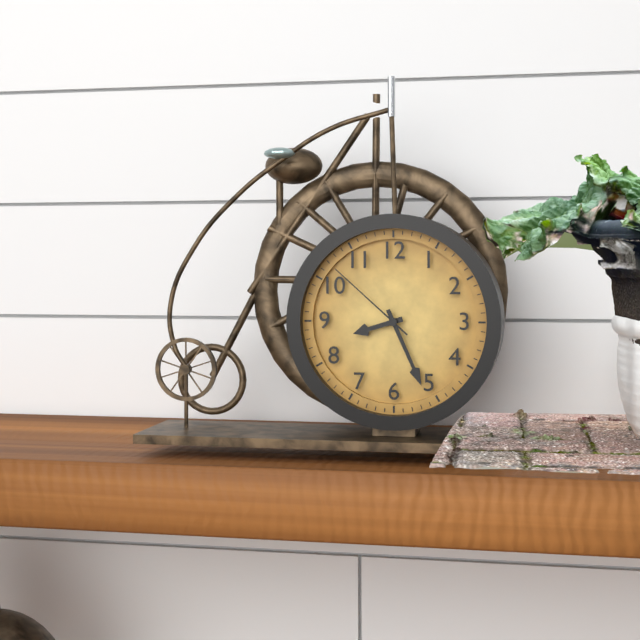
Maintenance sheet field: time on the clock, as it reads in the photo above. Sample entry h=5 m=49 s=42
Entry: h=8 m=26 s=52
